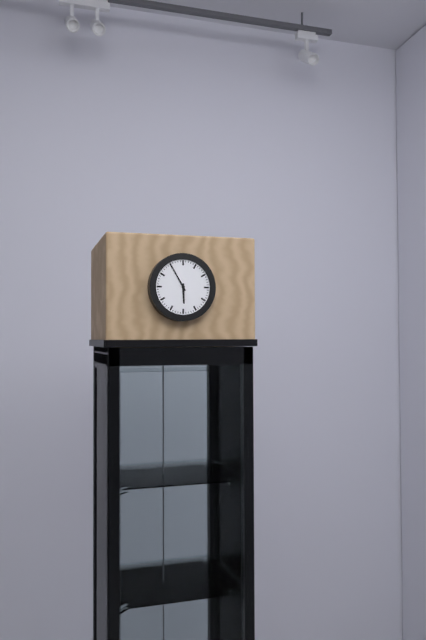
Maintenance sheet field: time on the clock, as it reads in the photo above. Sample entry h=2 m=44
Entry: h=5 m=55
